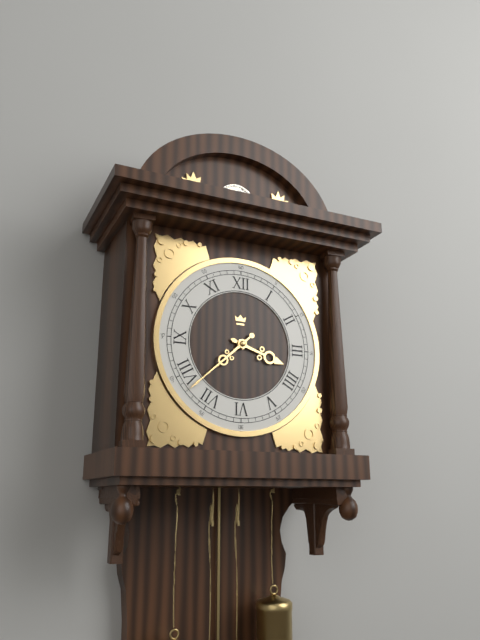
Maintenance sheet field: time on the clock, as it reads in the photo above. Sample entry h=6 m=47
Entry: h=3 m=38
